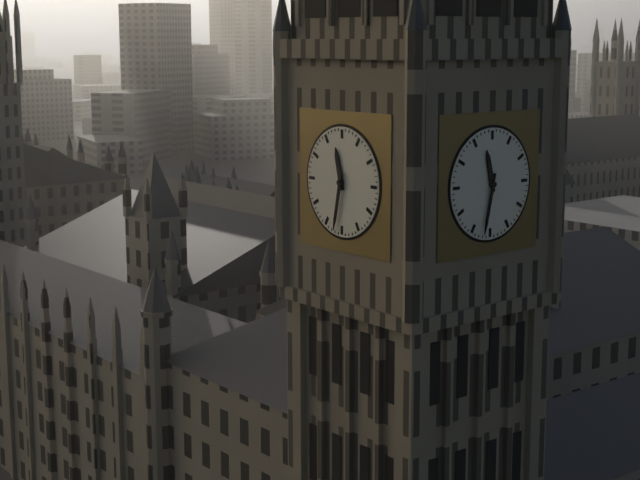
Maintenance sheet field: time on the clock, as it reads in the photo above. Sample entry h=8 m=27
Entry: h=11 m=32
